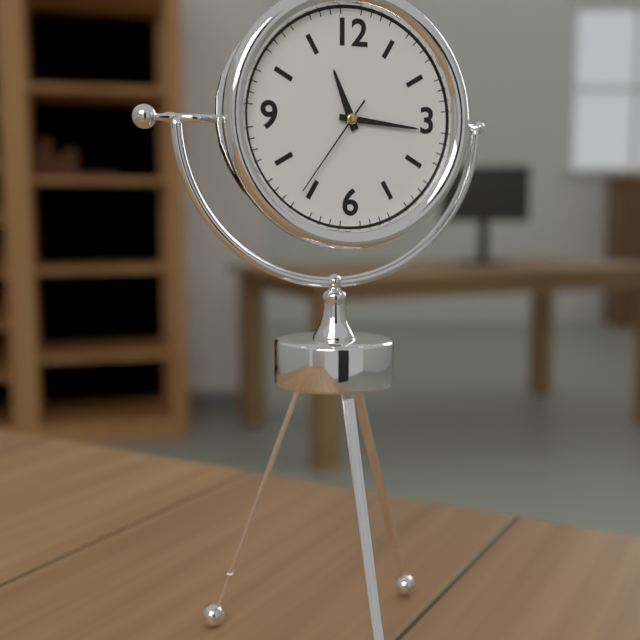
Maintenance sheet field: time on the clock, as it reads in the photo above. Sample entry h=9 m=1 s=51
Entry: h=11 m=16 s=36
